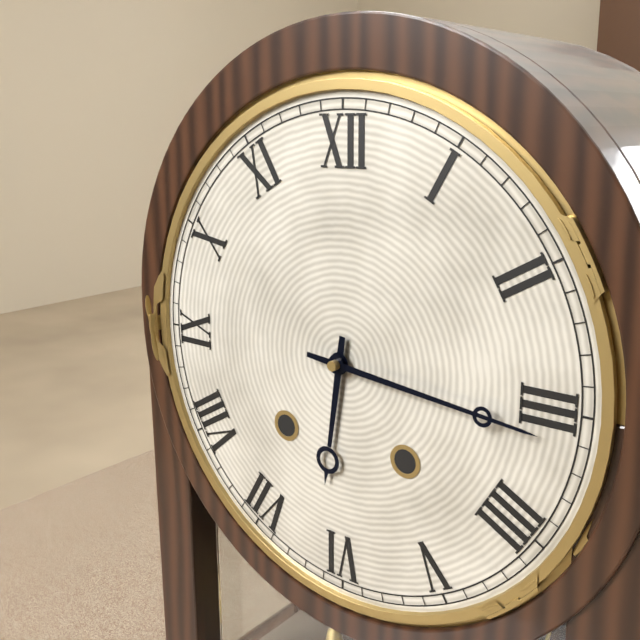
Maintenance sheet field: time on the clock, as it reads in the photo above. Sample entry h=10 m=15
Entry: h=6 m=16
